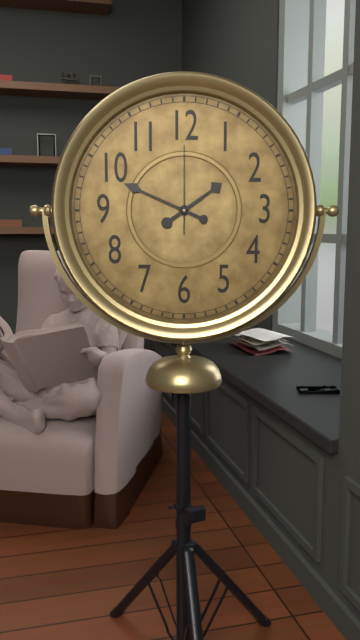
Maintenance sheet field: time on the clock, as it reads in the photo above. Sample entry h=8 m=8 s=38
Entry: h=1 m=49 s=0
